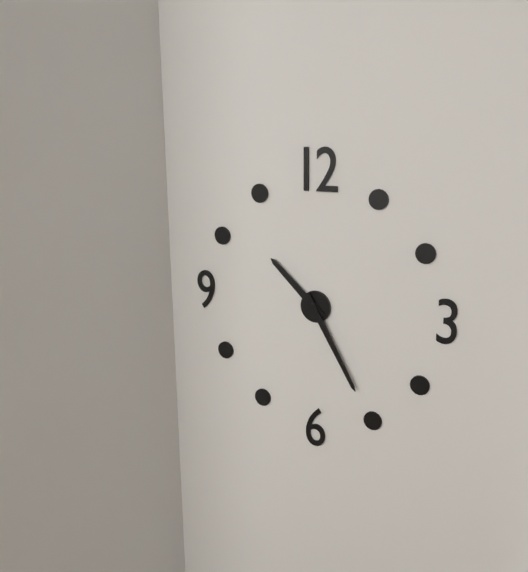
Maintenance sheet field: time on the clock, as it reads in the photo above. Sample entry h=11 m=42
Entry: h=10 m=25
